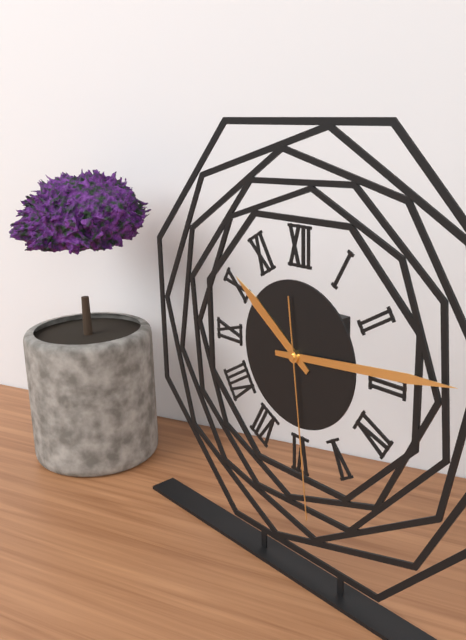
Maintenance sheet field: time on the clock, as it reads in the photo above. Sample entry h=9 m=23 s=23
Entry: h=10 m=14 s=29
